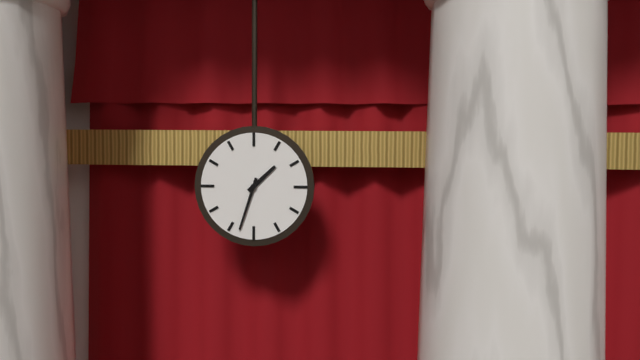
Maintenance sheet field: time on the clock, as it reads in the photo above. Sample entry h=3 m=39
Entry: h=1 m=33
